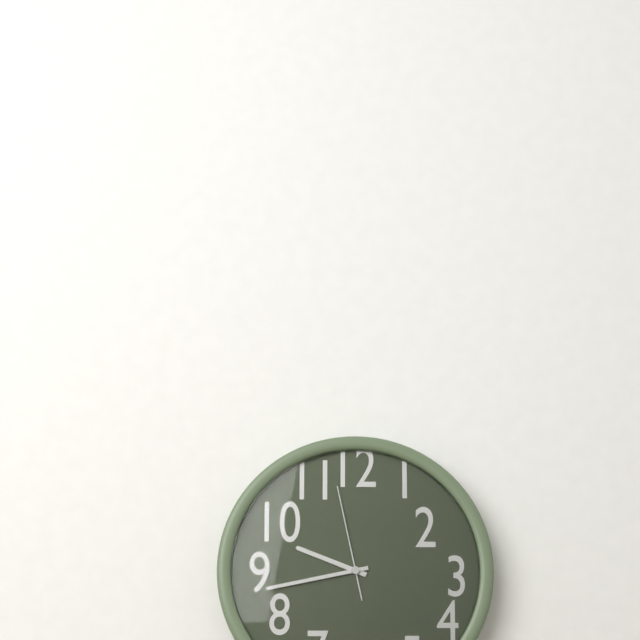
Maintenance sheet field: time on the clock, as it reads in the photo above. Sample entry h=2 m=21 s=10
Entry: h=9 m=43 s=58
